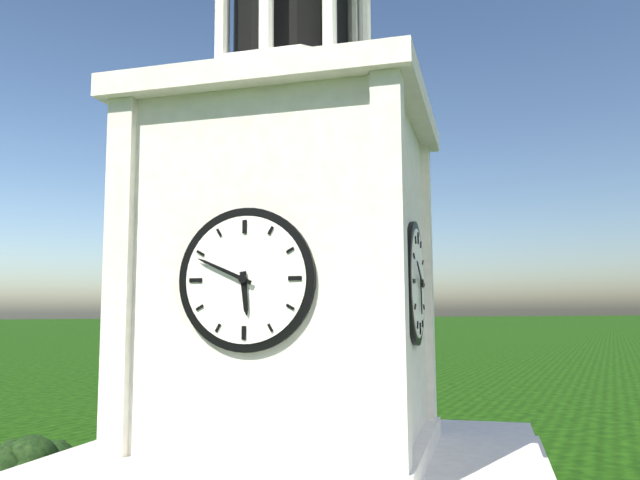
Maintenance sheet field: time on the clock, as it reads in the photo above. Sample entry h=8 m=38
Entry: h=5 m=49
